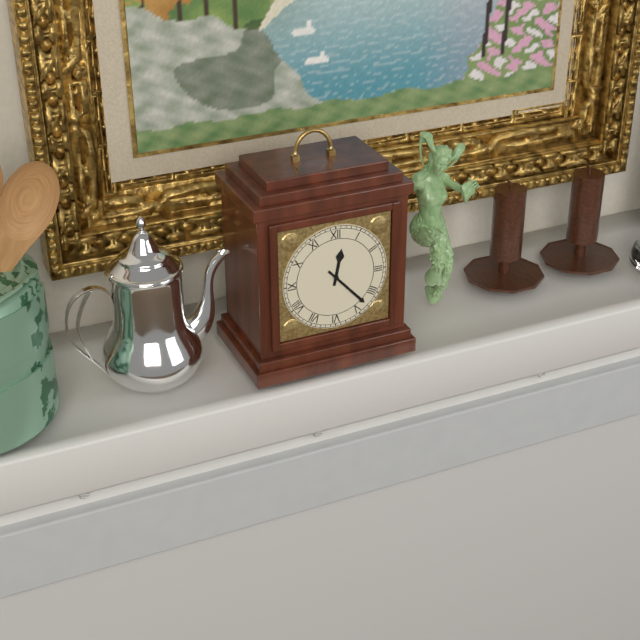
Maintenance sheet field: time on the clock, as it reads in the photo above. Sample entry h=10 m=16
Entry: h=12 m=23
